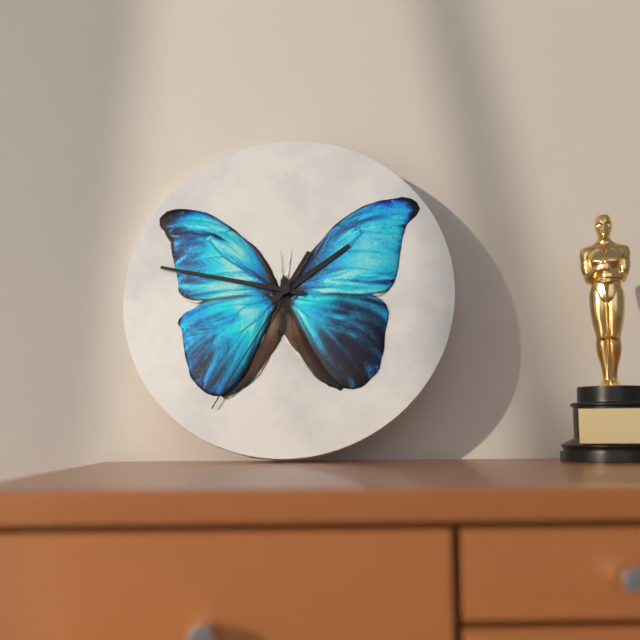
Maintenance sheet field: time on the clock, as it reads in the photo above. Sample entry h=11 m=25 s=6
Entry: h=1 m=47 s=35
